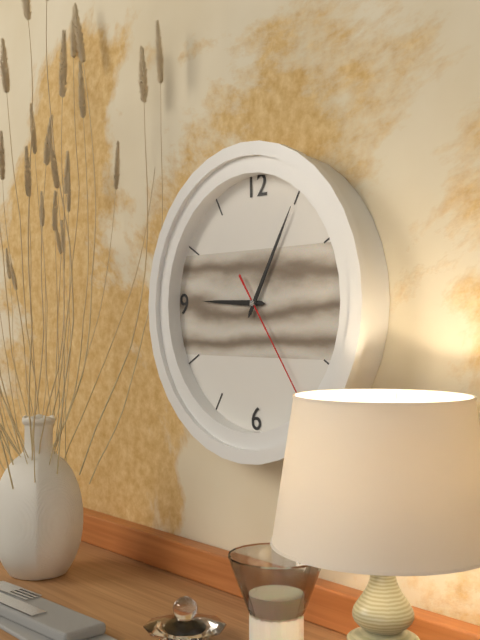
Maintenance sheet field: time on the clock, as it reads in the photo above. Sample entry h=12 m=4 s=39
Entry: h=9 m=5 s=24
